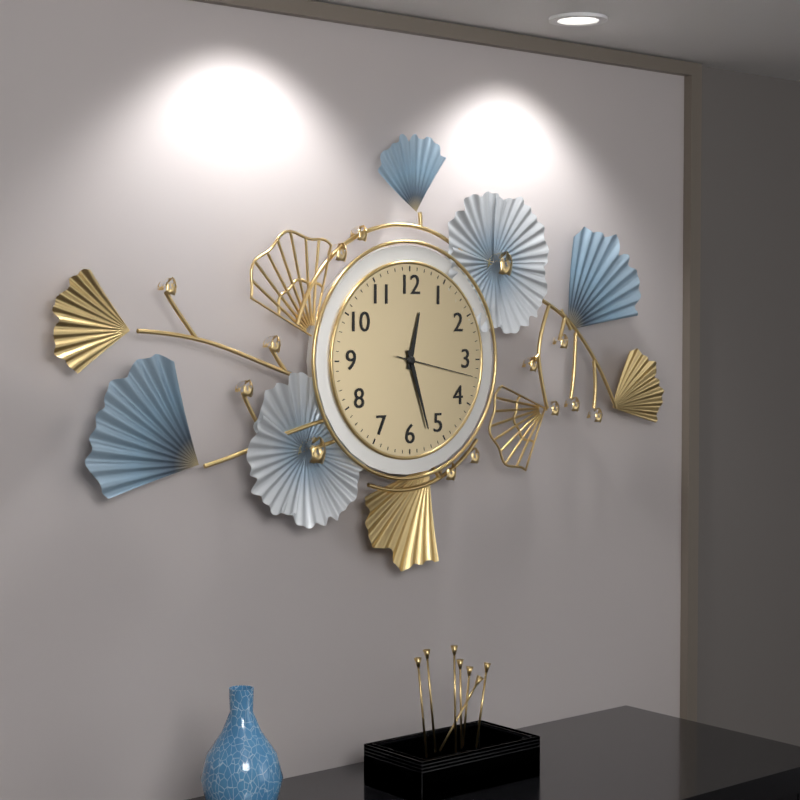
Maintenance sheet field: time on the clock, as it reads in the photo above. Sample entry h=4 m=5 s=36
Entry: h=12 m=27 s=17
